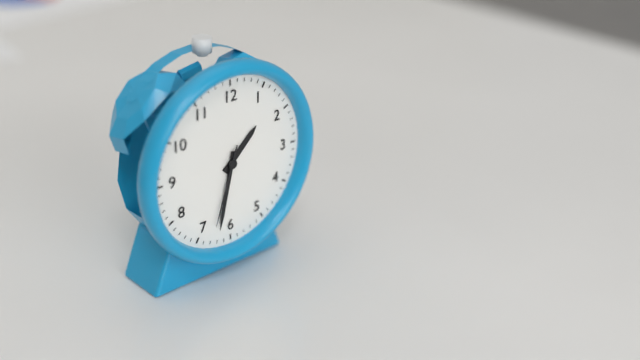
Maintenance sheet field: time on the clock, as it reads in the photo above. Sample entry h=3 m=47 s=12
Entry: h=1 m=32 s=33
